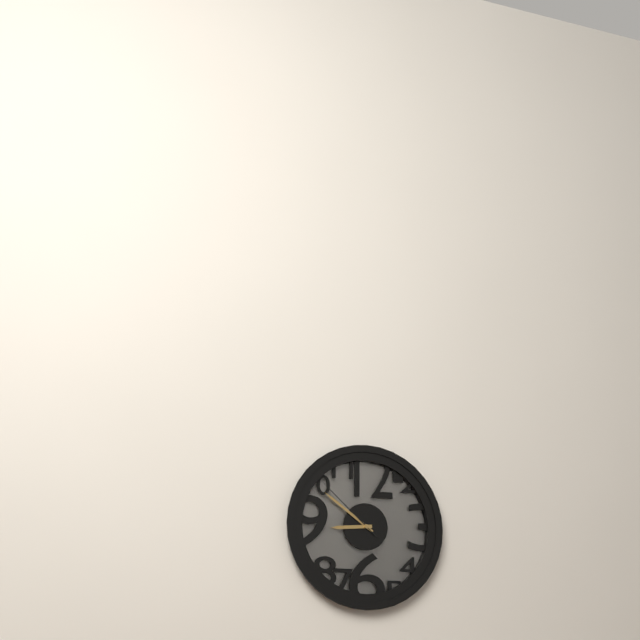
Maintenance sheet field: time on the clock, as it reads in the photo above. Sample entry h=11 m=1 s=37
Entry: h=8 m=51 s=52
